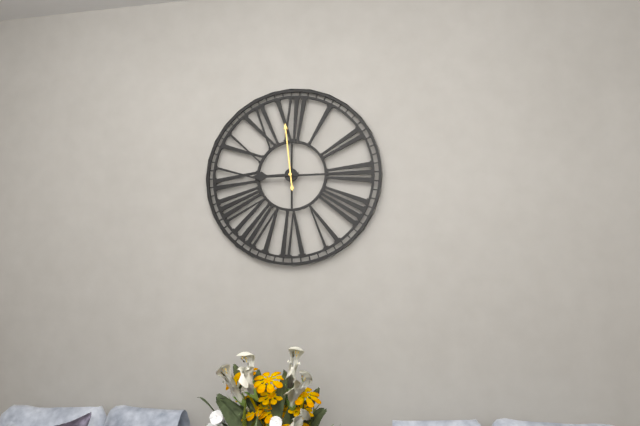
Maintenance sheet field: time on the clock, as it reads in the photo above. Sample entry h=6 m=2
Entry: h=8 m=59
